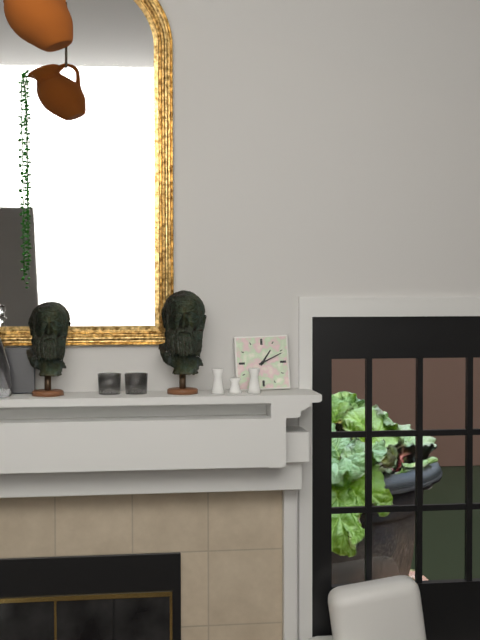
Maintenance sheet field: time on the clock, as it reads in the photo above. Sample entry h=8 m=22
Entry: h=1 m=11
